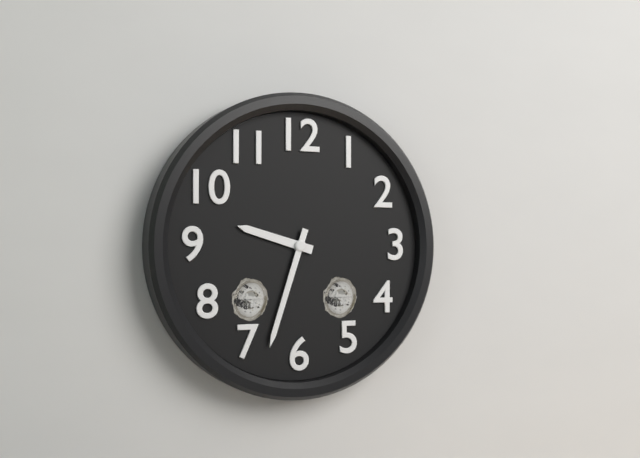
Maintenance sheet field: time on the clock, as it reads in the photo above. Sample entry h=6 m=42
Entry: h=9 m=33
